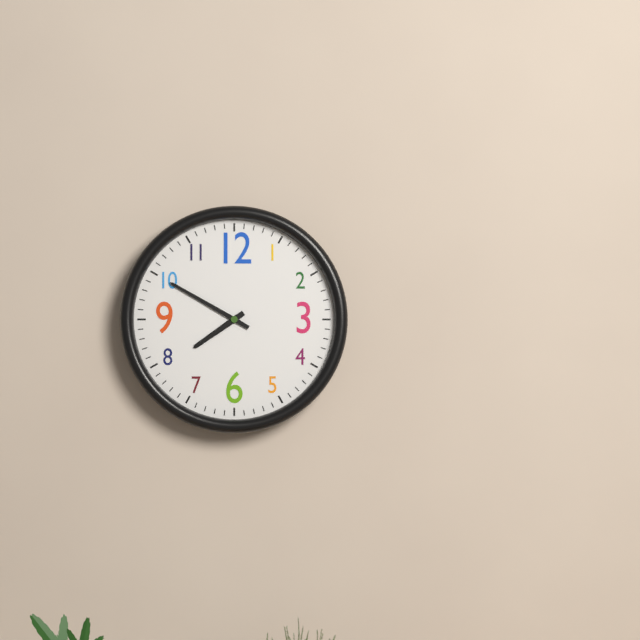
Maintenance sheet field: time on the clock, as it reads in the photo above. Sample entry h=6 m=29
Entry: h=7 m=50
